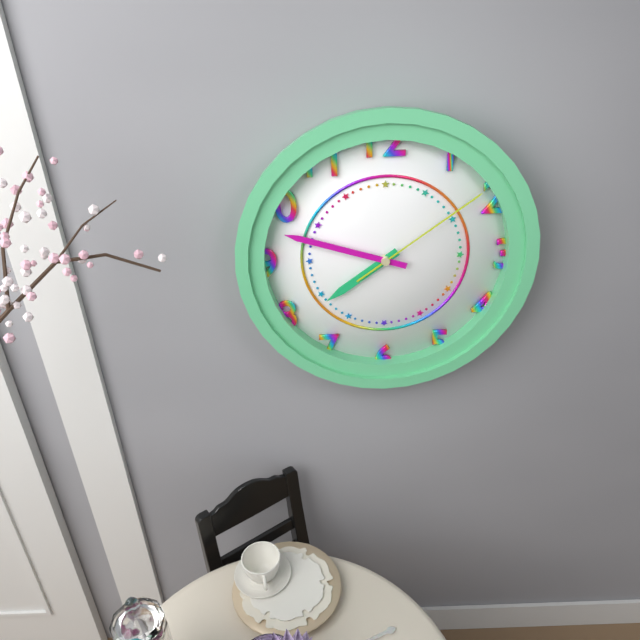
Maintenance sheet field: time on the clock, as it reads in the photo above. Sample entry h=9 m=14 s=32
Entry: h=7 m=48 s=9
